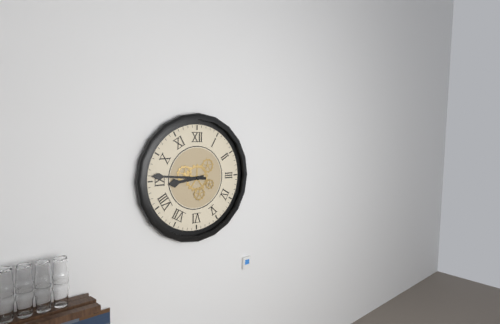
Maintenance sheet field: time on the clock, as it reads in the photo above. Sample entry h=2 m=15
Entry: h=8 m=46
